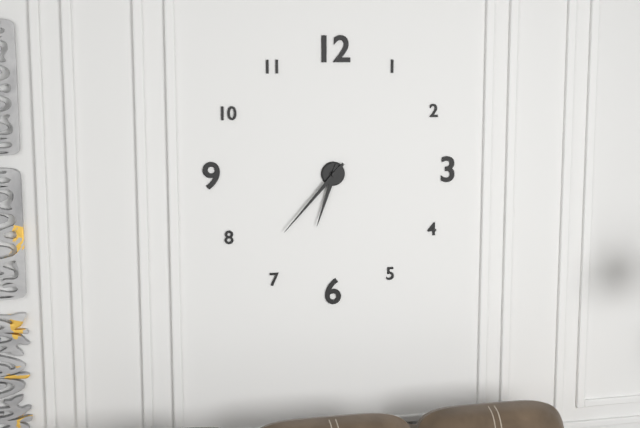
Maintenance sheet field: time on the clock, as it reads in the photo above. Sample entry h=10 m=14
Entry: h=6 m=37
